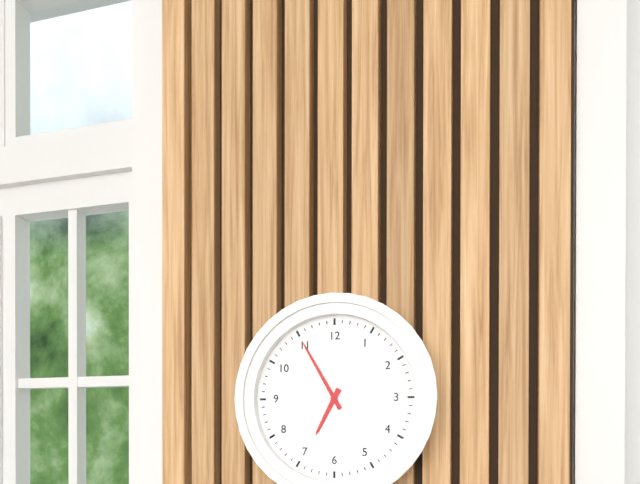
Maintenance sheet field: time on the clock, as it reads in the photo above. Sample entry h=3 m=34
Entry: h=6 m=55
